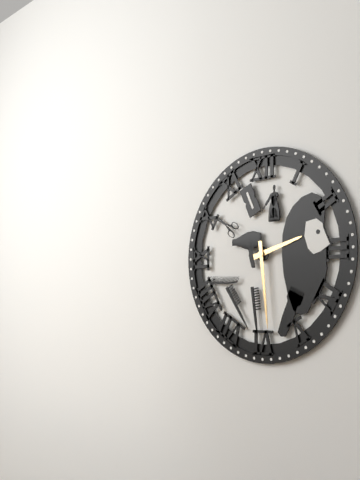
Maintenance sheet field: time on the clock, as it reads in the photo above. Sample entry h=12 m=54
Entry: h=2 m=29
